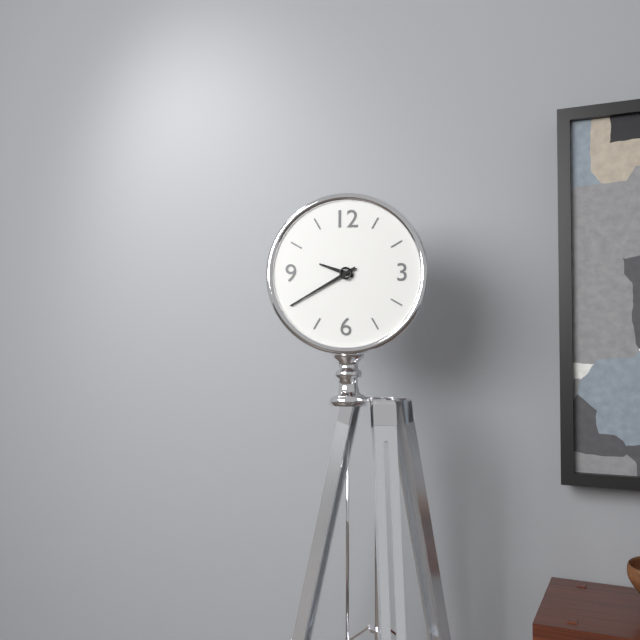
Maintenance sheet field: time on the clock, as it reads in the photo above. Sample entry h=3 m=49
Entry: h=9 m=40
